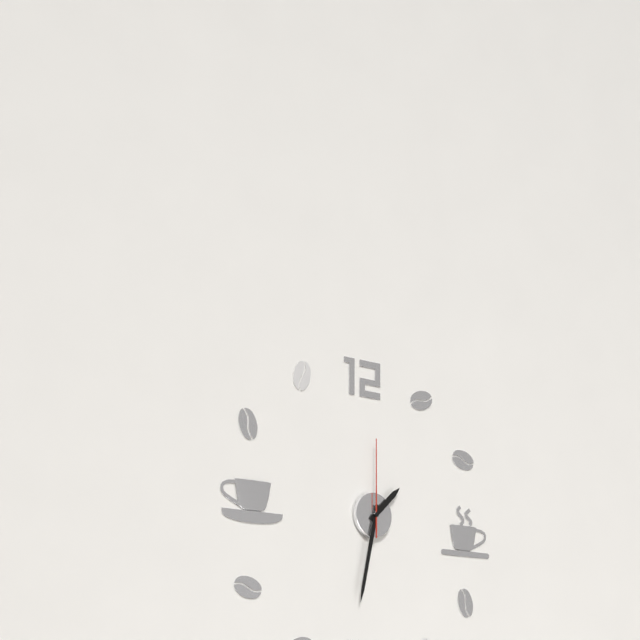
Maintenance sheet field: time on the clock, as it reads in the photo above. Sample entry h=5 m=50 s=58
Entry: h=1 m=32 s=0
